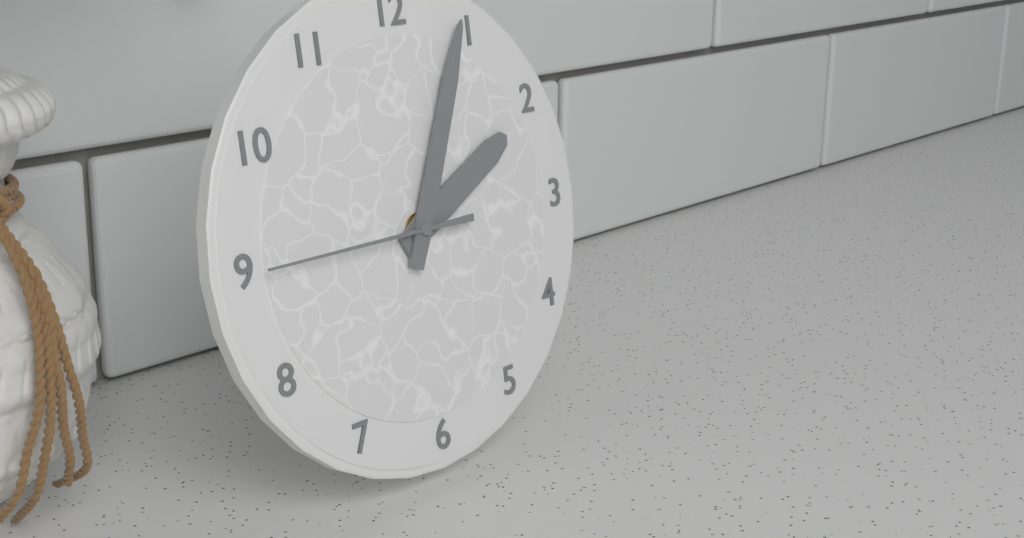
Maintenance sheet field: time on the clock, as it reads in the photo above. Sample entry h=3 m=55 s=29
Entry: h=2 m=4 s=45
